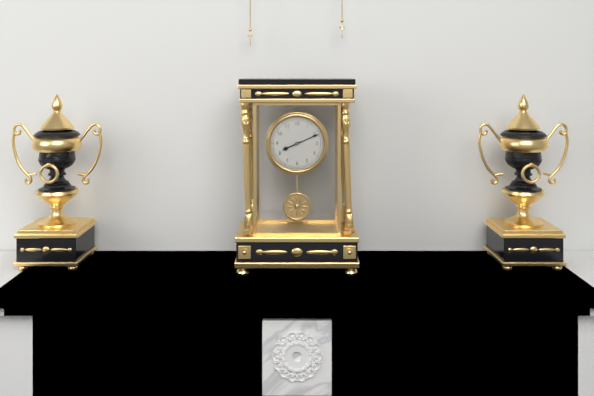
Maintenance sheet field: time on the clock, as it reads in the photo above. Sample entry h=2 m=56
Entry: h=8 m=11
